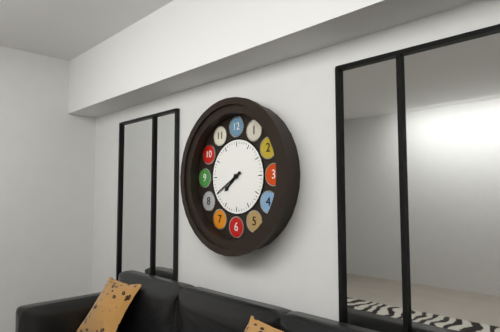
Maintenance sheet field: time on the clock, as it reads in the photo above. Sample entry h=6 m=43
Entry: h=7 m=40
